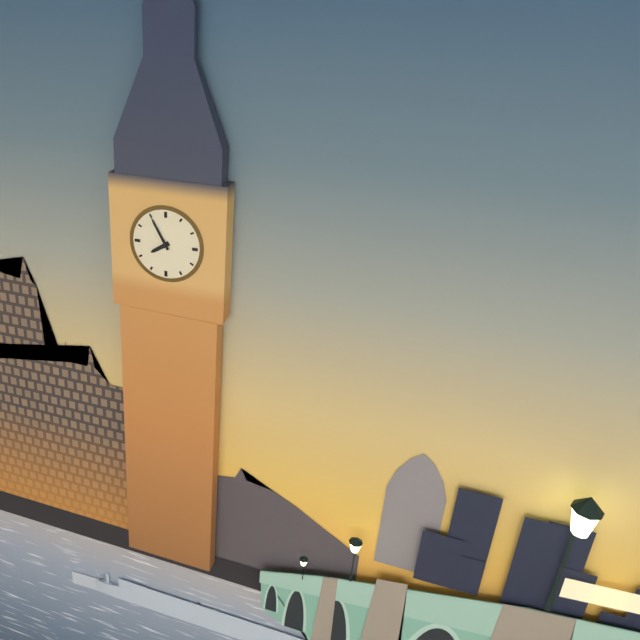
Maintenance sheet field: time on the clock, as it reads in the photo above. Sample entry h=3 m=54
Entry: h=7 m=55
